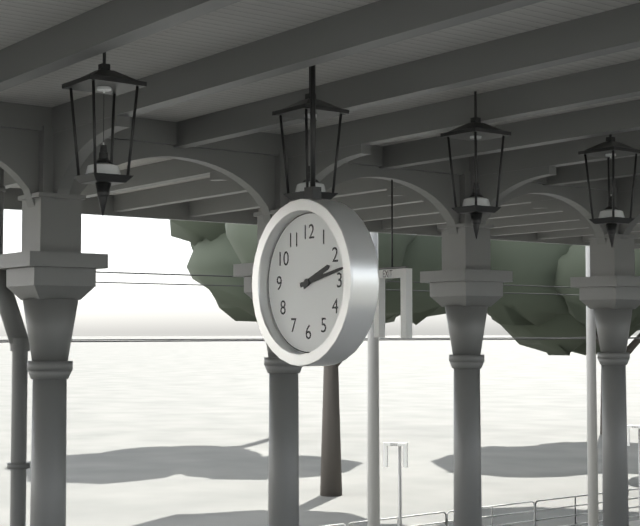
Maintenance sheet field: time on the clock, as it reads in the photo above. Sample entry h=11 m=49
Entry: h=2 m=13
